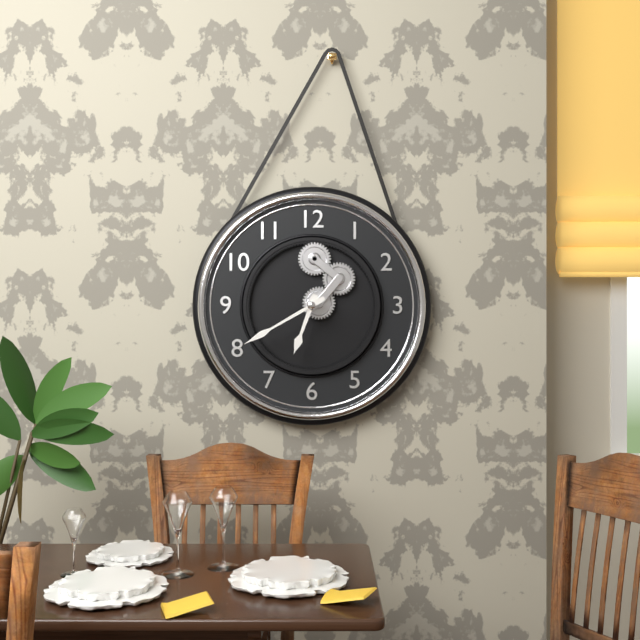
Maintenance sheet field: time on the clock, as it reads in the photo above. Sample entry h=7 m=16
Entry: h=6 m=40
